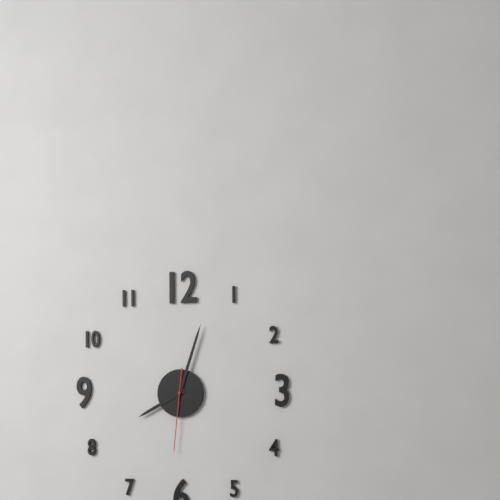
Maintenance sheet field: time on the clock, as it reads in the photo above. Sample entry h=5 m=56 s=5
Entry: h=8 m=3 s=31
